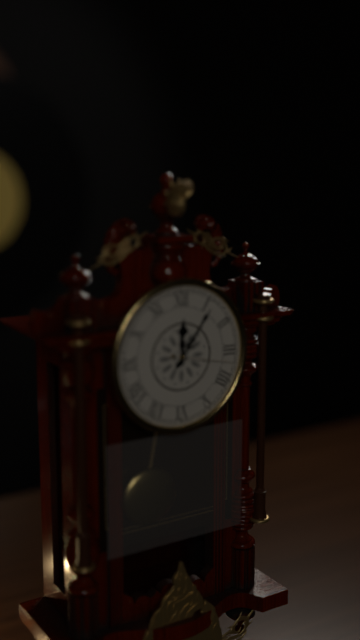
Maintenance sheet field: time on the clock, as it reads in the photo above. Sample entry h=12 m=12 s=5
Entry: h=12 m=6 s=17
